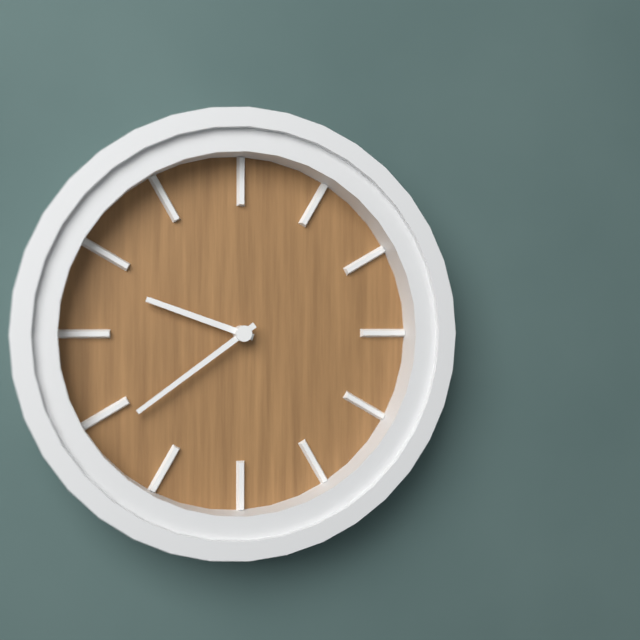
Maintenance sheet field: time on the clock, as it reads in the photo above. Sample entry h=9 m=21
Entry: h=9 m=39
